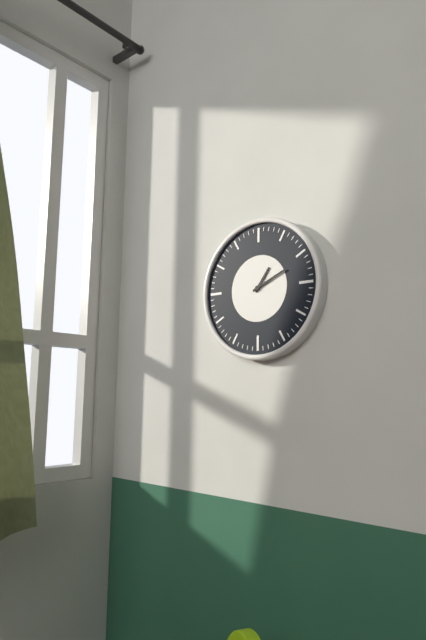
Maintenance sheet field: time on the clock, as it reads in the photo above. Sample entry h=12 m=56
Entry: h=1 m=11
